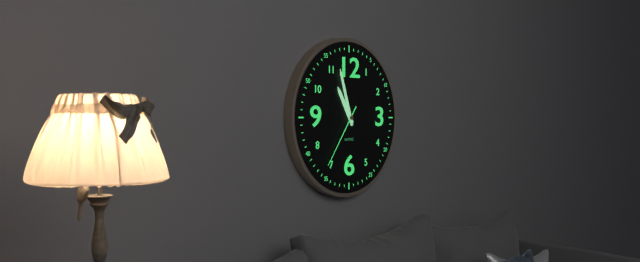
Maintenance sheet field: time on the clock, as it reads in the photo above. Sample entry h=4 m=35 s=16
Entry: h=10 m=57 s=36
